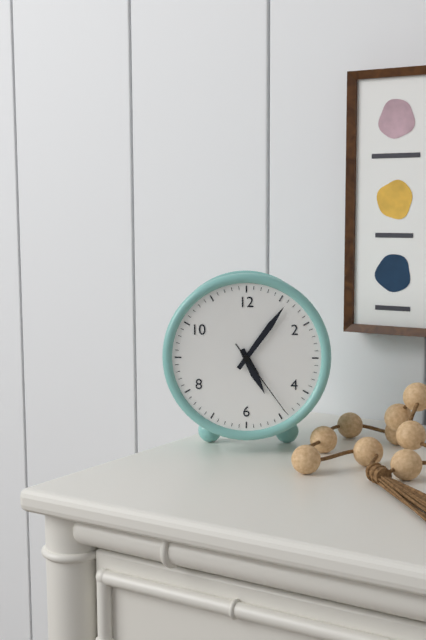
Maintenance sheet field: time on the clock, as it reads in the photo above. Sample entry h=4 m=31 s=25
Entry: h=5 m=6 s=24
